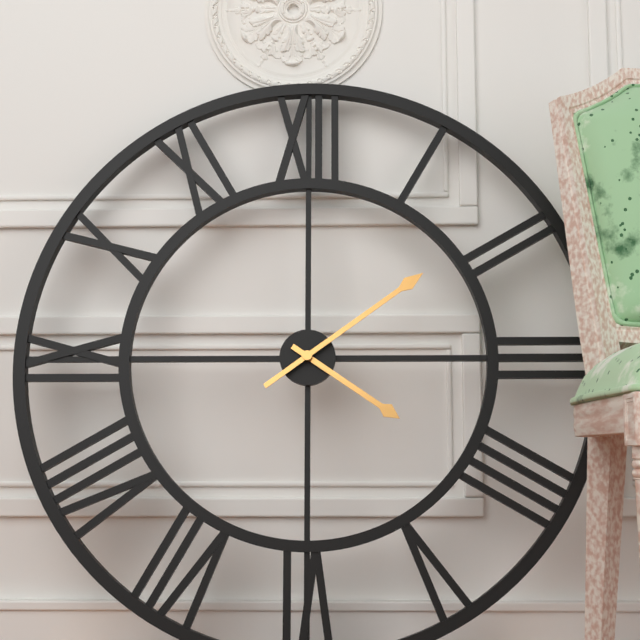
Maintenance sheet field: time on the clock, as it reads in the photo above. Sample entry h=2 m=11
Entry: h=4 m=9
